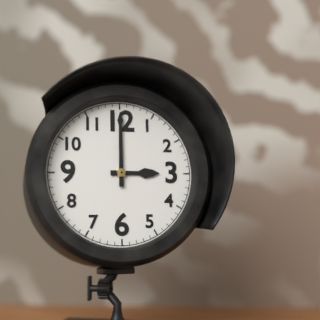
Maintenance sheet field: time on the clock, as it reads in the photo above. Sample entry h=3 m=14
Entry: h=3 m=0
